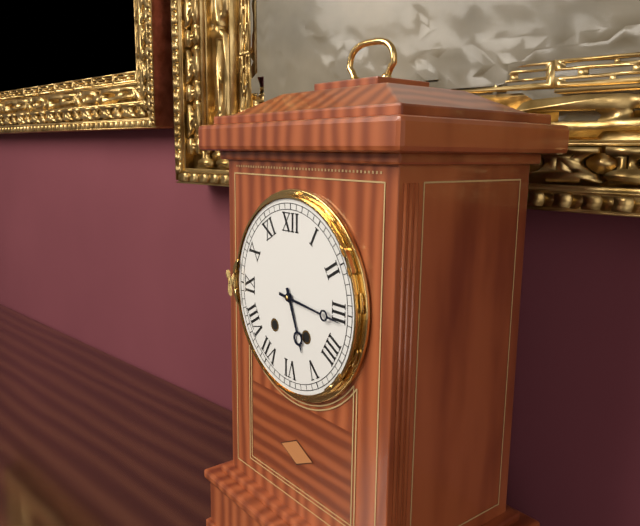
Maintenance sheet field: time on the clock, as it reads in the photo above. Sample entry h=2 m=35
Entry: h=5 m=16
